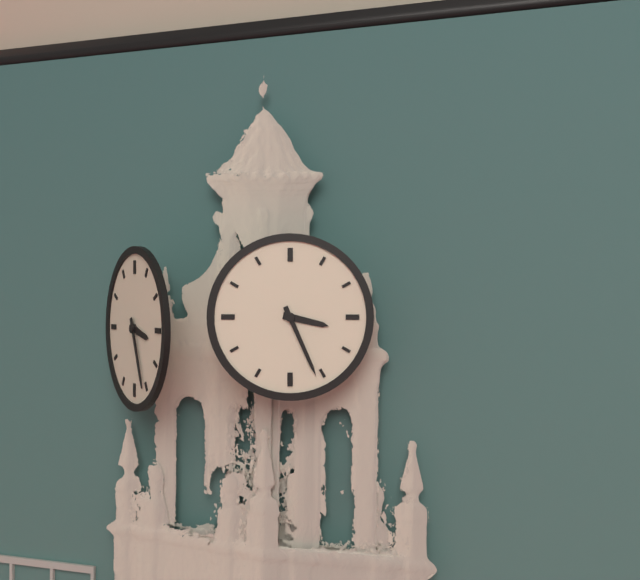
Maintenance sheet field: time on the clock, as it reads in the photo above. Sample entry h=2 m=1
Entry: h=3 m=26
